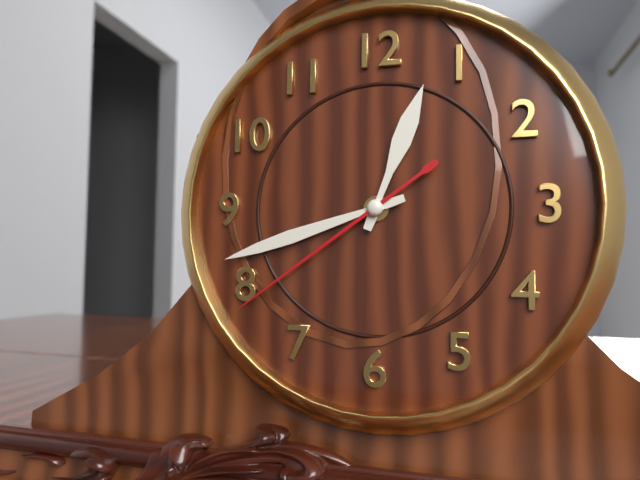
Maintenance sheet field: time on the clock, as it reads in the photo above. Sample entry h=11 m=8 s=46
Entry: h=12 m=42 s=39
